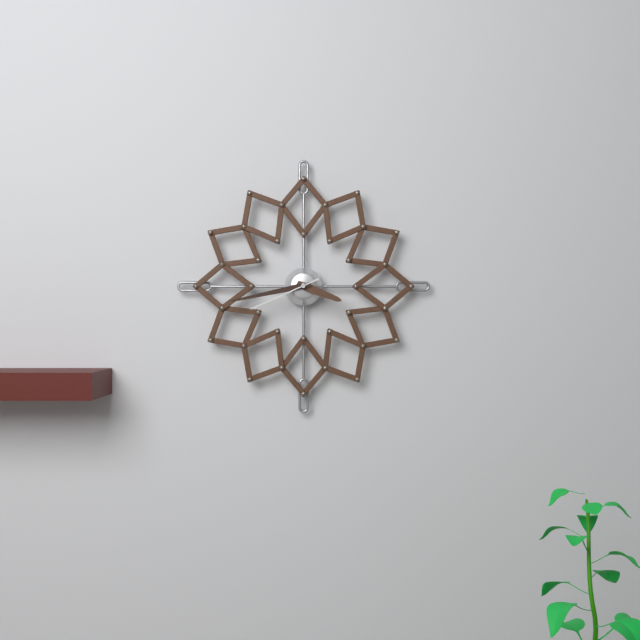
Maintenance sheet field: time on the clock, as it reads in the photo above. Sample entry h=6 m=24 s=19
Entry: h=3 m=43 s=41
